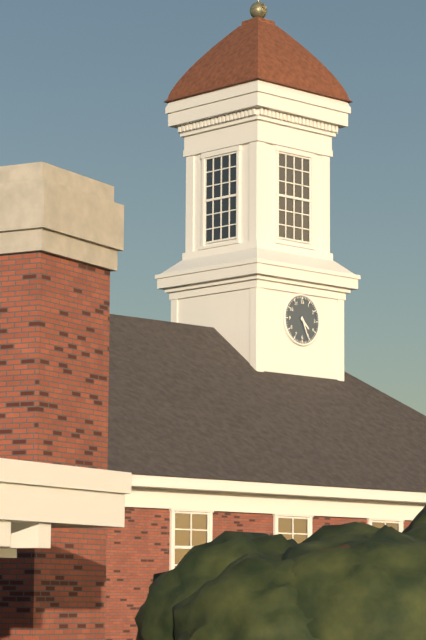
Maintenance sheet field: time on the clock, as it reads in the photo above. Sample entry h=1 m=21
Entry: h=4 m=26
